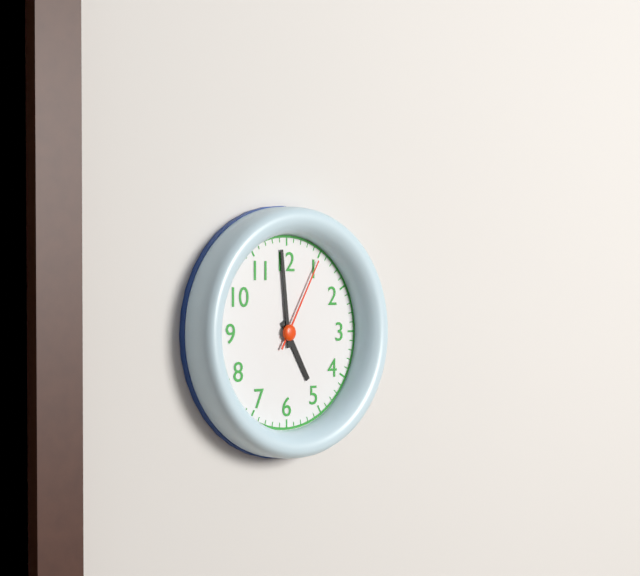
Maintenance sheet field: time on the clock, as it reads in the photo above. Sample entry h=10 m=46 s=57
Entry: h=4 m=59 s=5
